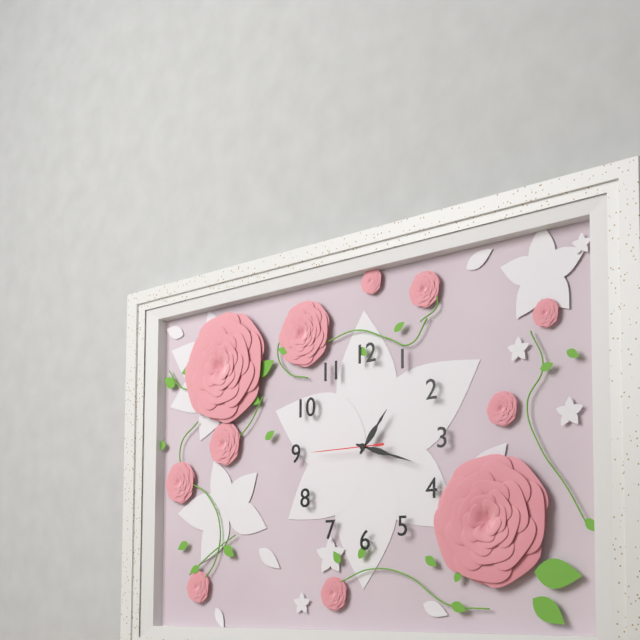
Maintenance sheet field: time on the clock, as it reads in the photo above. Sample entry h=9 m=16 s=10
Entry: h=1 m=18 s=45
